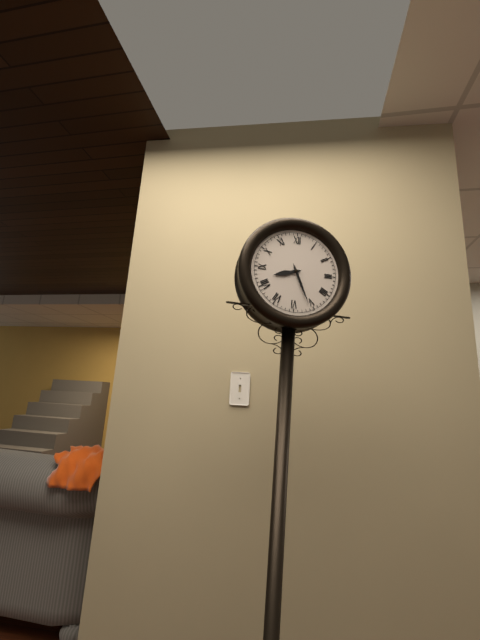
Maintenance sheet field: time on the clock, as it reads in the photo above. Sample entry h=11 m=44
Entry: h=8 m=26
